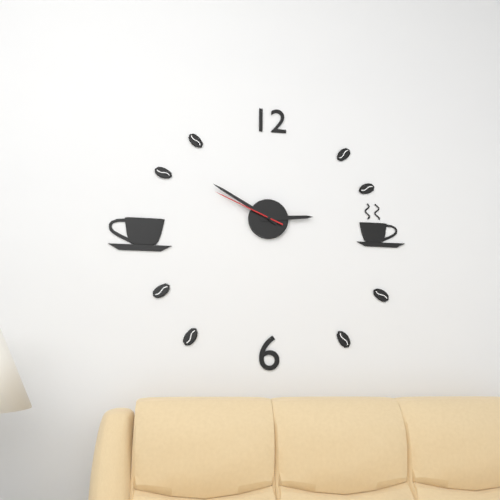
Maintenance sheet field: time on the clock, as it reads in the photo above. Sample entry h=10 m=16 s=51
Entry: h=2 m=50 s=49
